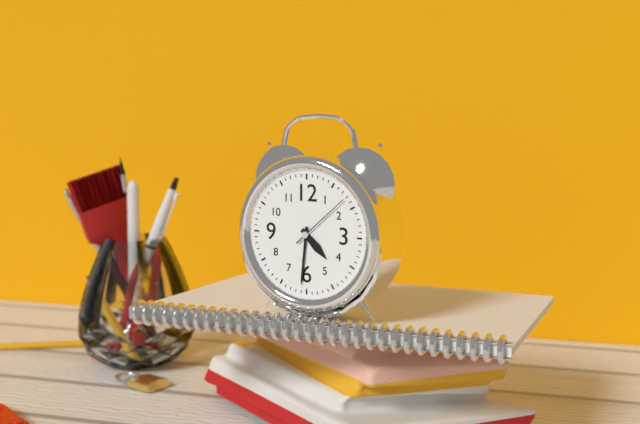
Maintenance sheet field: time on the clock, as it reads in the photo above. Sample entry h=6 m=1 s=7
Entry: h=4 m=31 s=8
